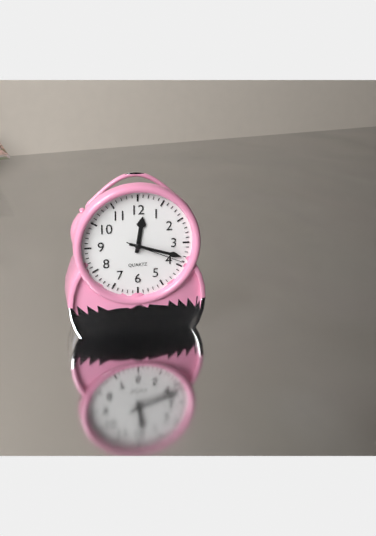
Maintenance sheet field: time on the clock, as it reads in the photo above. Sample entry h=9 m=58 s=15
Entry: h=12 m=18 s=19
